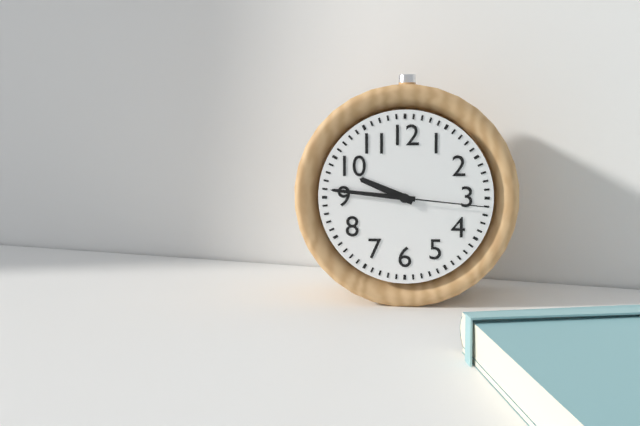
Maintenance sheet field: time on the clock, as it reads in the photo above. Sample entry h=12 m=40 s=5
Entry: h=9 m=46 s=16
